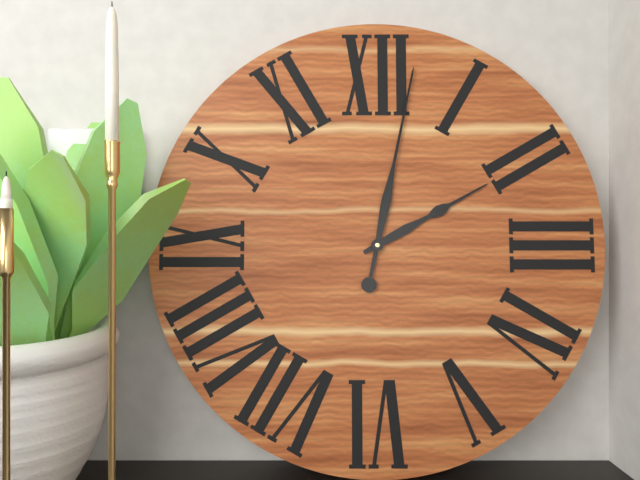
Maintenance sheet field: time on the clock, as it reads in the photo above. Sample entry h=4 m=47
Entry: h=2 m=2
